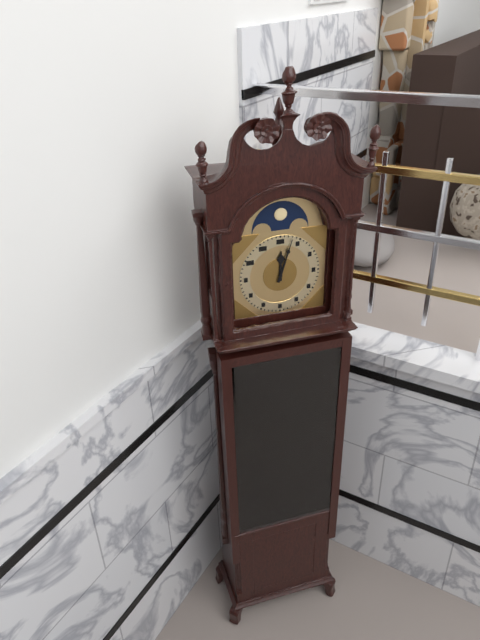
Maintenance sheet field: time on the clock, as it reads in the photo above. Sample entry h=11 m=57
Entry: h=12 m=3
